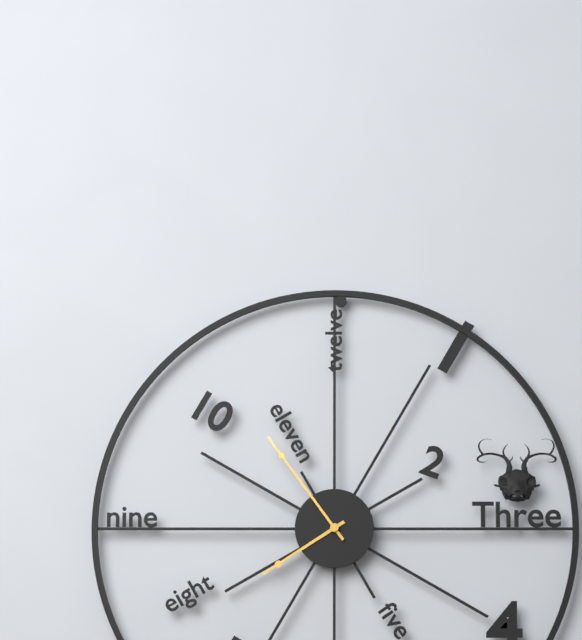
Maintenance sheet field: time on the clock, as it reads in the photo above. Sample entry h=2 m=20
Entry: h=7 m=54
